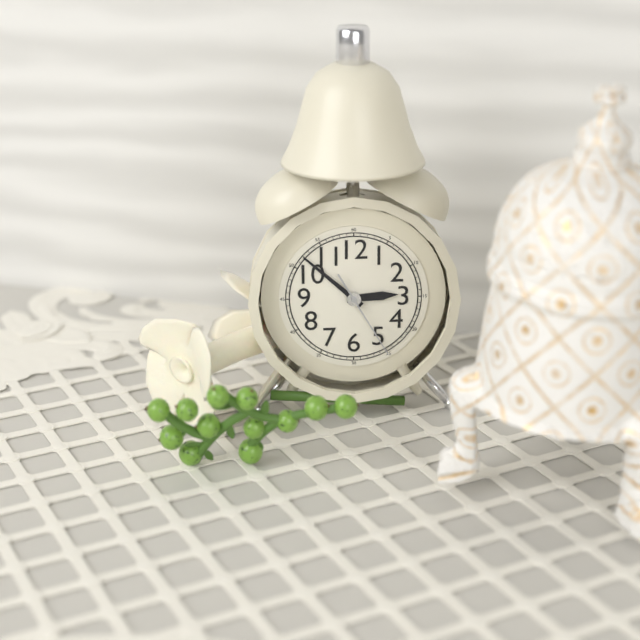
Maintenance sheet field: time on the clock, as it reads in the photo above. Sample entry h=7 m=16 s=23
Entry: h=2 m=52 s=25
